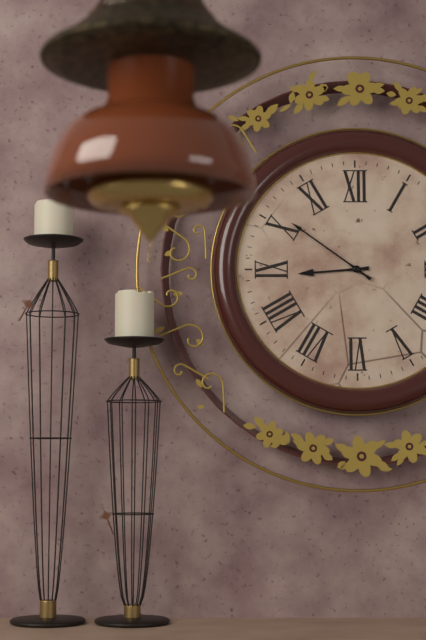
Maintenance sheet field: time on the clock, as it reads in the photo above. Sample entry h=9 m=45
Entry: h=8 m=51
